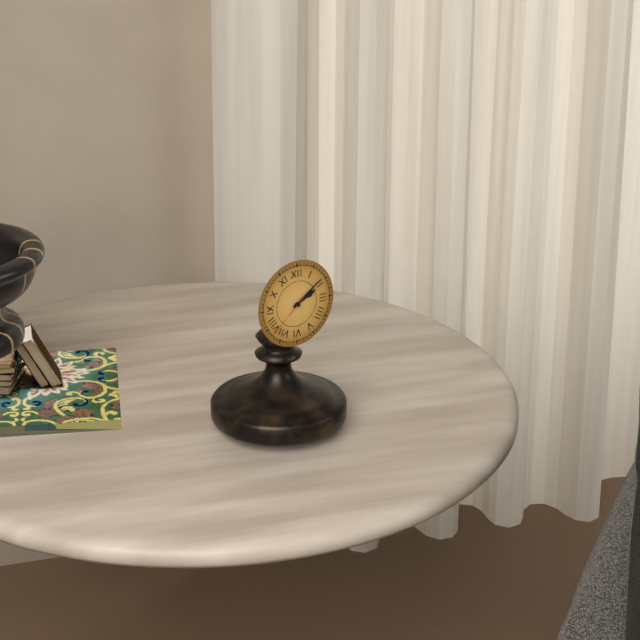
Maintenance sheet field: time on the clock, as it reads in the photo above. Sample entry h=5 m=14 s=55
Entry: h=2 m=9 s=38
